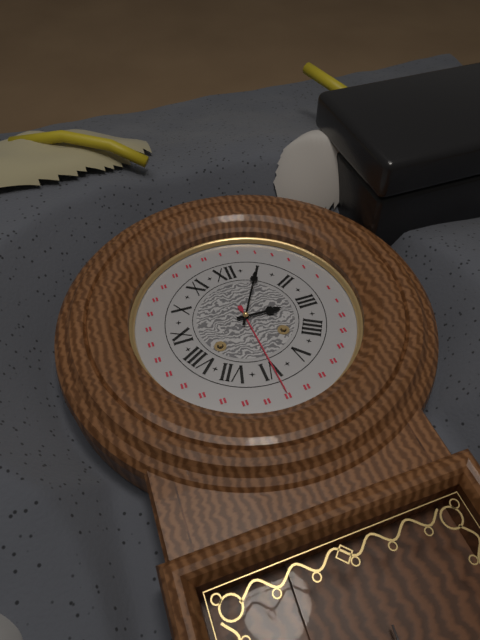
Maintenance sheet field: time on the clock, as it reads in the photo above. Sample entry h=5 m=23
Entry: h=3 m=5
